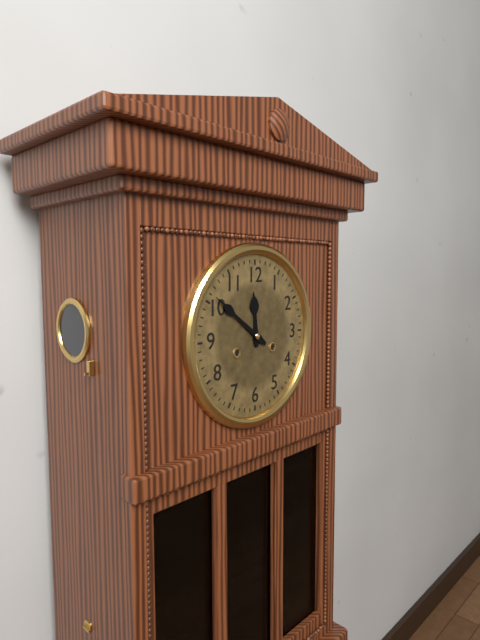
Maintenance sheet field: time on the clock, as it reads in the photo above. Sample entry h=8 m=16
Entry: h=11 m=51
